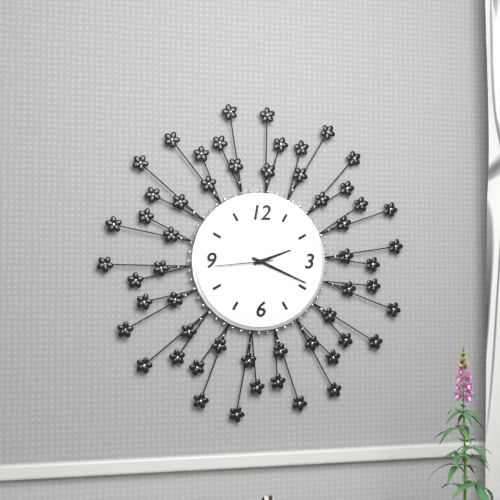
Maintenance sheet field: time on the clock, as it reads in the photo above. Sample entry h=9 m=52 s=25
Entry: h=2 m=19 s=44
